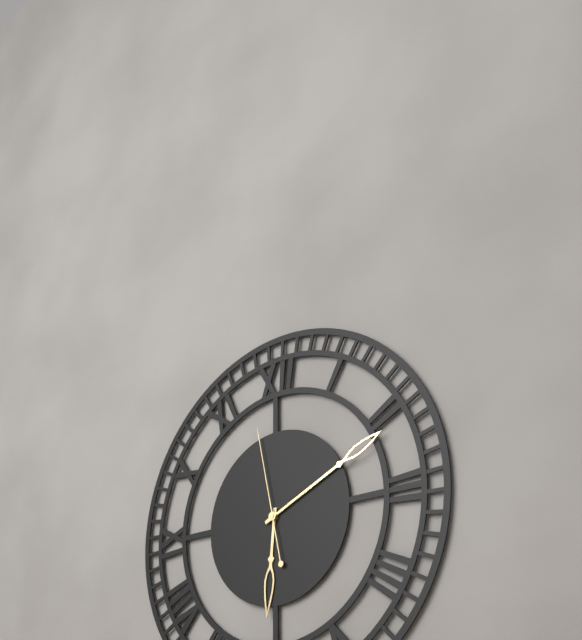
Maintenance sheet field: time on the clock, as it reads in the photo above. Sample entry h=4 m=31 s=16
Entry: h=6 m=11 s=58
